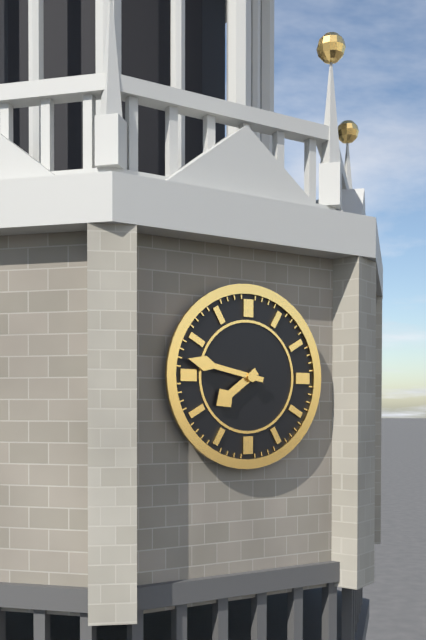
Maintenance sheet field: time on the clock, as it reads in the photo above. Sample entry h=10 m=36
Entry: h=7 m=47
